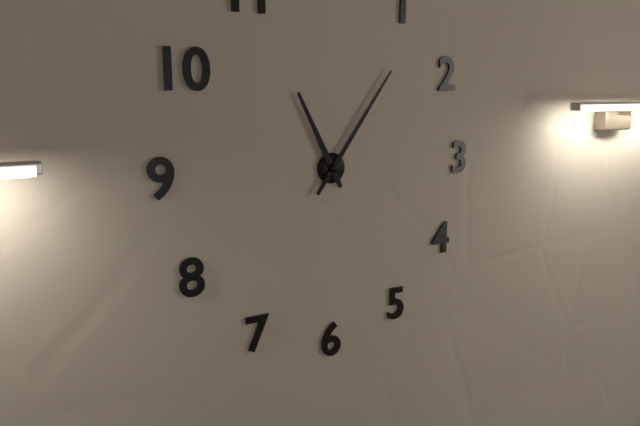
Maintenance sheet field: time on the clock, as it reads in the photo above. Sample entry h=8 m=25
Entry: h=11 m=6
